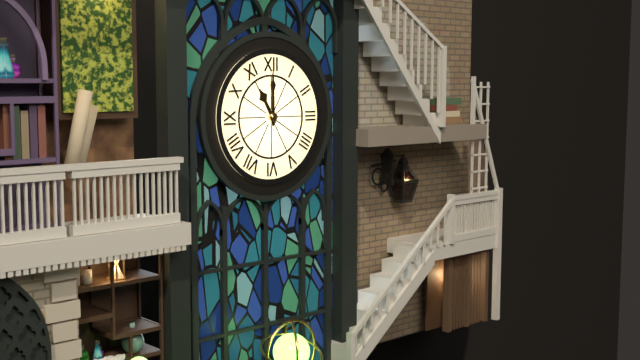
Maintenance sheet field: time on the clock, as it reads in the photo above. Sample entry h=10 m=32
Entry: h=11 m=0
